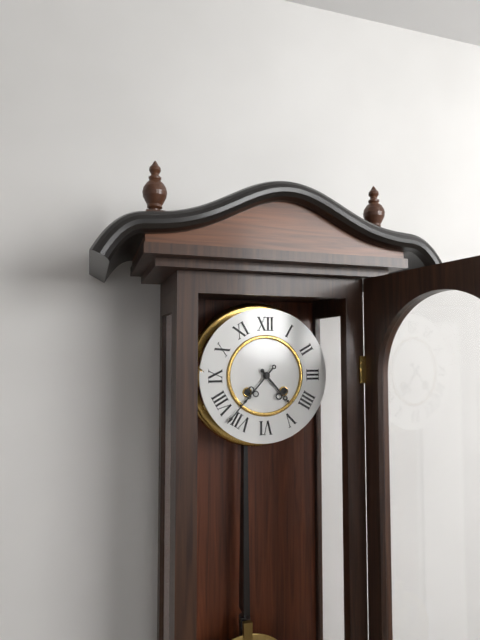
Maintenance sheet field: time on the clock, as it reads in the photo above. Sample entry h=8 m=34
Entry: h=4 m=37
